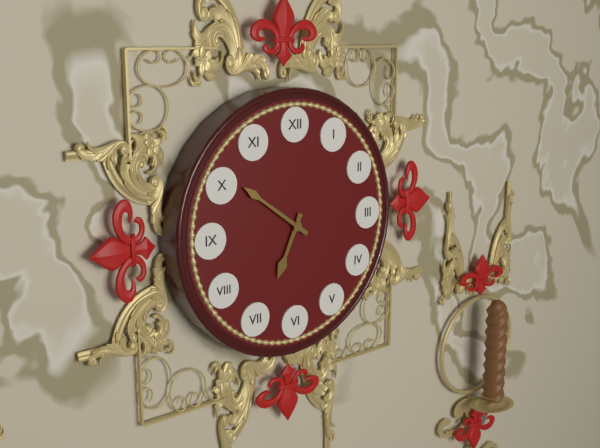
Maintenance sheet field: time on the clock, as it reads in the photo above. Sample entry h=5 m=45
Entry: h=6 m=51
